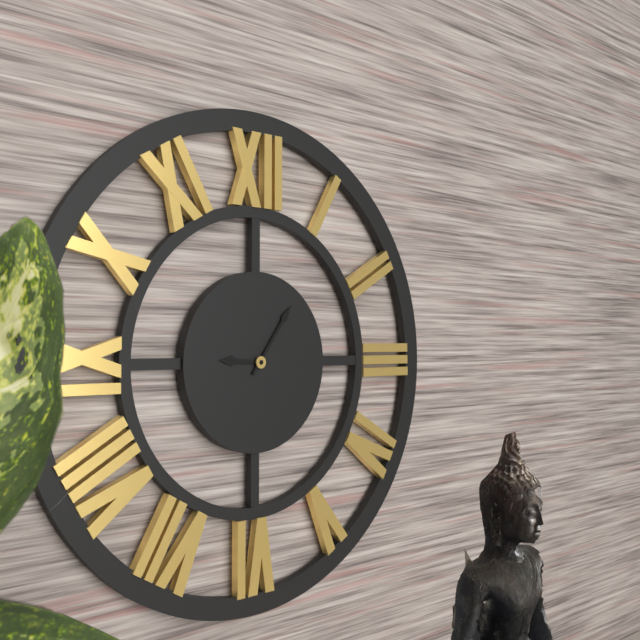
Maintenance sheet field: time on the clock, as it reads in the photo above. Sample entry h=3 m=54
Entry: h=9 m=6
